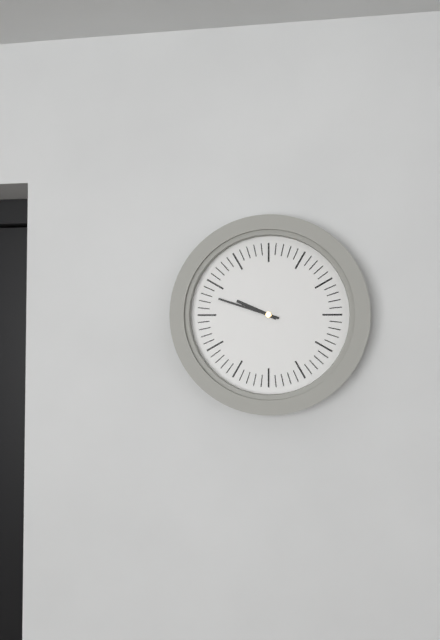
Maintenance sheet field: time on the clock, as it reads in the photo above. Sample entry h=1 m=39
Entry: h=9 m=48
